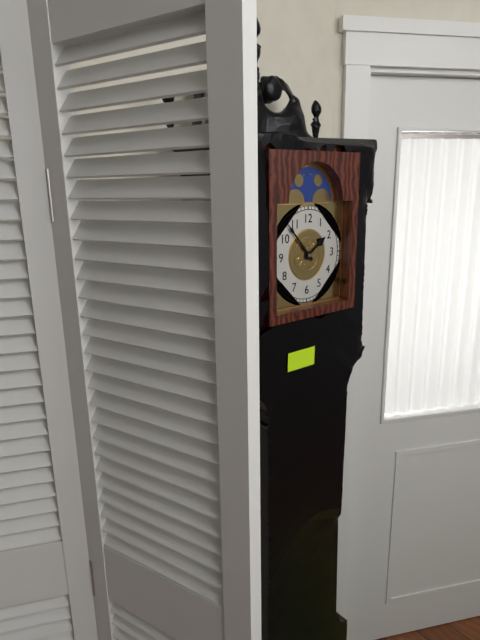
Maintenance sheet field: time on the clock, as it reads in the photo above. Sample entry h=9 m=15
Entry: h=1 m=53
